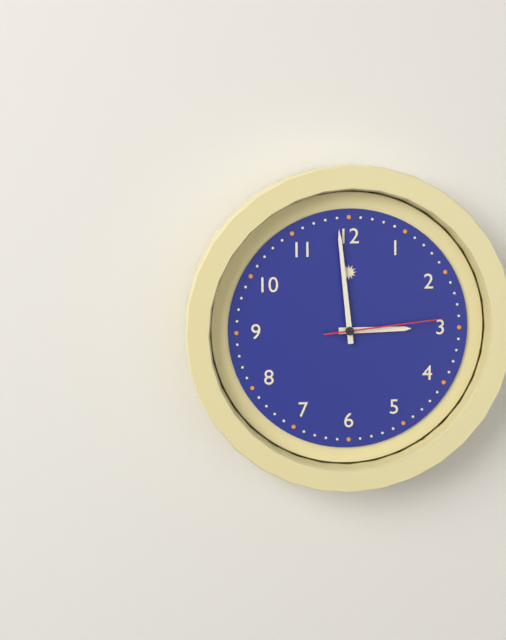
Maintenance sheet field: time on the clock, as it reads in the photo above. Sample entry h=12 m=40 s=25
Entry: h=2 m=59 s=14
